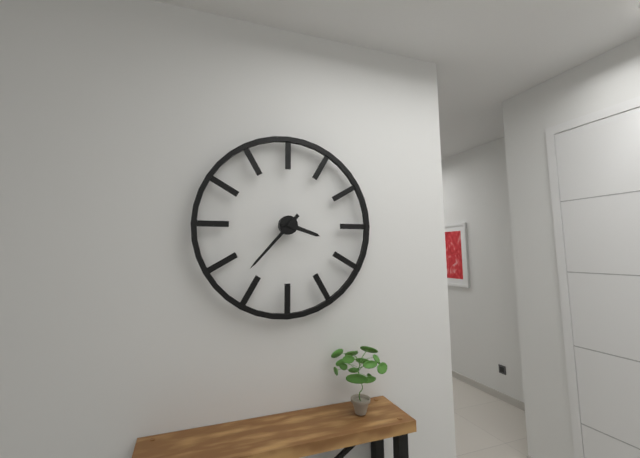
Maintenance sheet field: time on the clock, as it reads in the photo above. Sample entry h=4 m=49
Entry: h=3 m=37
